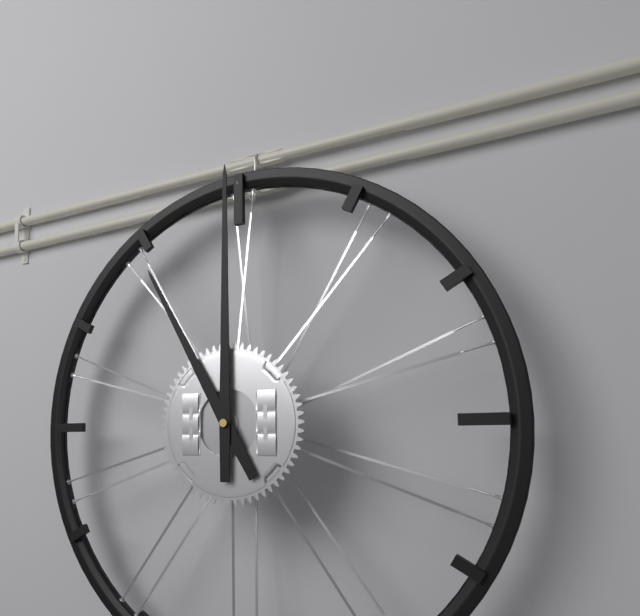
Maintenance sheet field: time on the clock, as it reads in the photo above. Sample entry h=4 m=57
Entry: h=11 m=0
